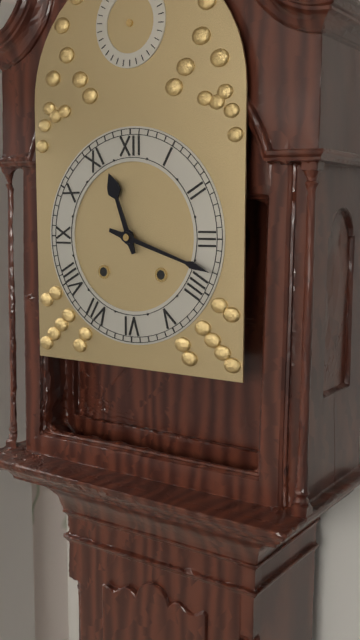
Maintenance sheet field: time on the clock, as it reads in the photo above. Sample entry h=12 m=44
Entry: h=11 m=18
